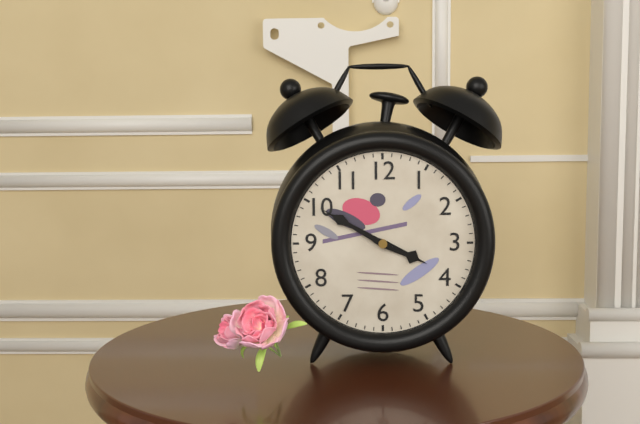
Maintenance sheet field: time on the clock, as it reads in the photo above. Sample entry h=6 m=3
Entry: h=3 m=50
